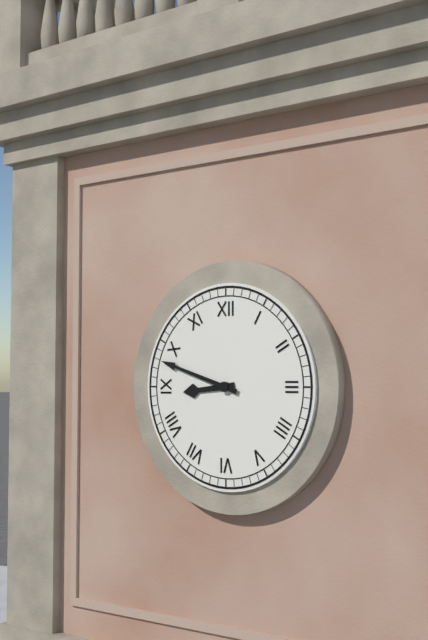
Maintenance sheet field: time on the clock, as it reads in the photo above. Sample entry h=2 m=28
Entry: h=8 m=48
